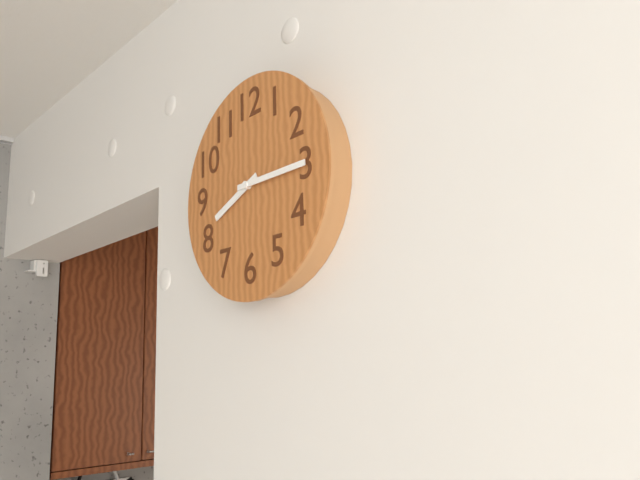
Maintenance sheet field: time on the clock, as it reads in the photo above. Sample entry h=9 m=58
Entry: h=8 m=15
